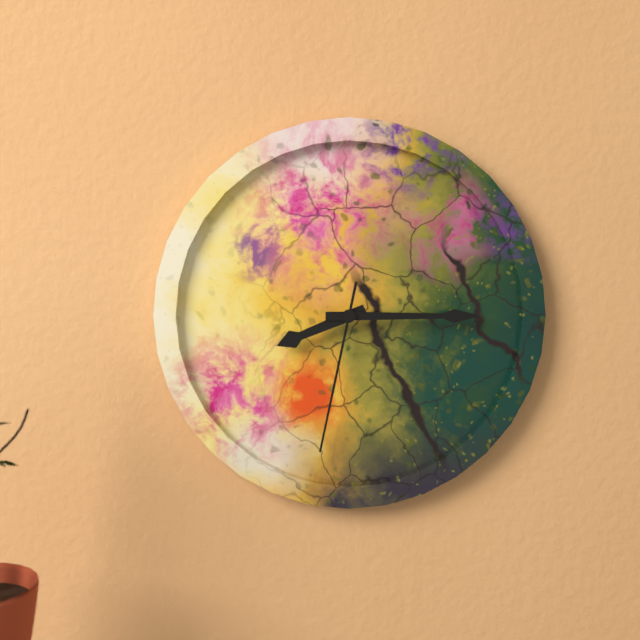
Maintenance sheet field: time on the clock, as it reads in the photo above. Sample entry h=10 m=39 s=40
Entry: h=8 m=15 s=32
